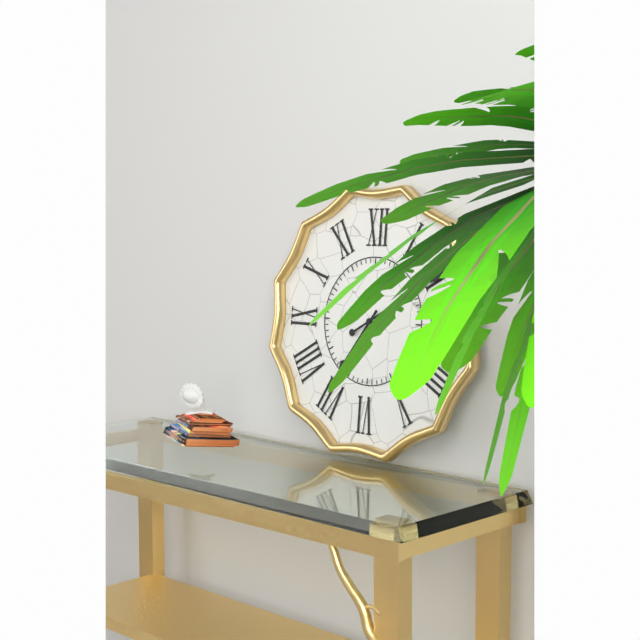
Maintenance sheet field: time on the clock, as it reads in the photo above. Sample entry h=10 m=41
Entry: h=7 m=10
